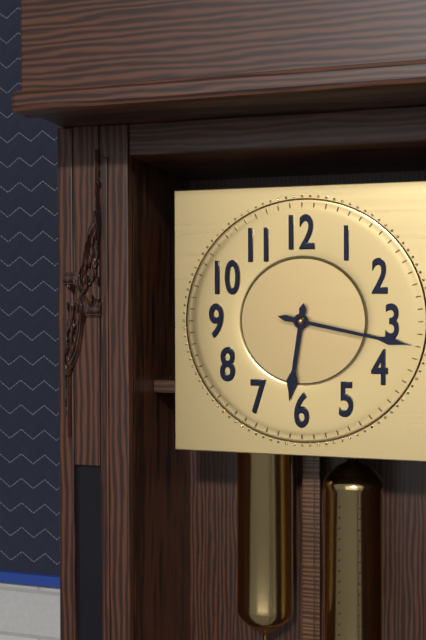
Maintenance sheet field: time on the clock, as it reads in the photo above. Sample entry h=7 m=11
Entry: h=6 m=17
